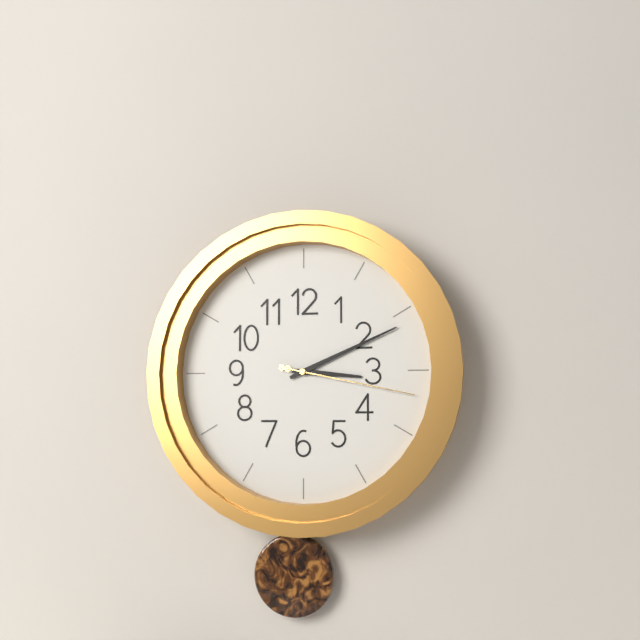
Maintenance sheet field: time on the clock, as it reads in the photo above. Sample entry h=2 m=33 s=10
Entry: h=3 m=11 s=17
